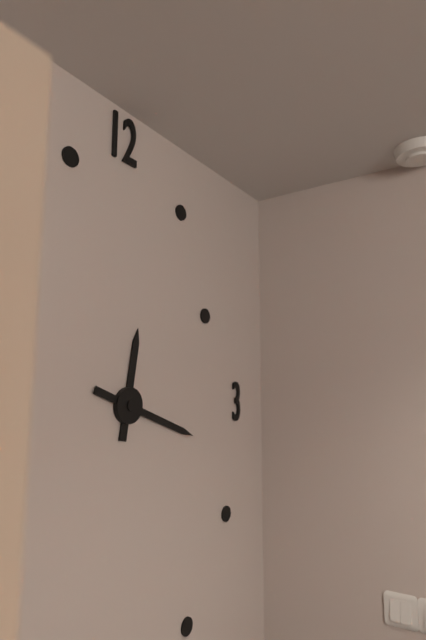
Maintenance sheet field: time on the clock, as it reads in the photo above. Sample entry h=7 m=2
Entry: h=12 m=18
